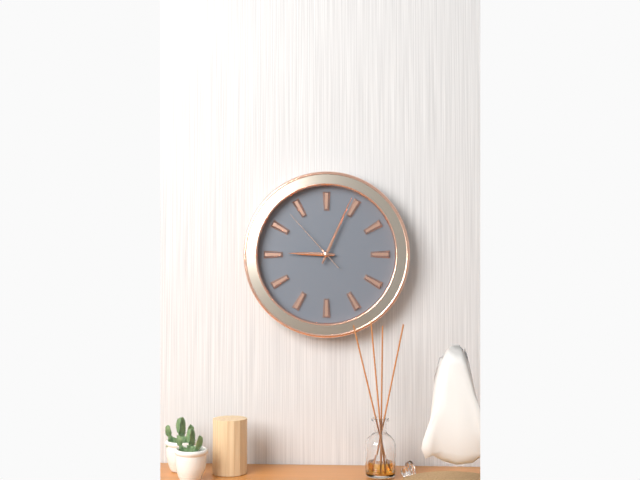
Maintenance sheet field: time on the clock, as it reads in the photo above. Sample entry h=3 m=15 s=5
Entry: h=9 m=4 s=53
